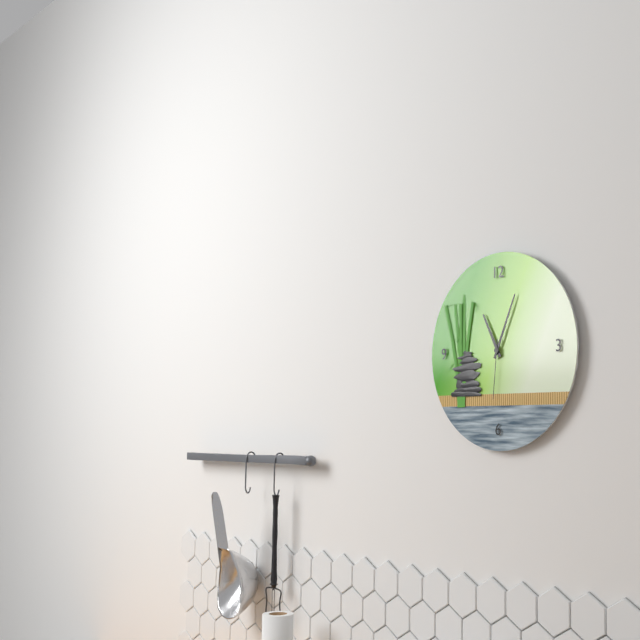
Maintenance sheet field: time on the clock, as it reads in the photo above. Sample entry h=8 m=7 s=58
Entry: h=11 m=4 s=31
